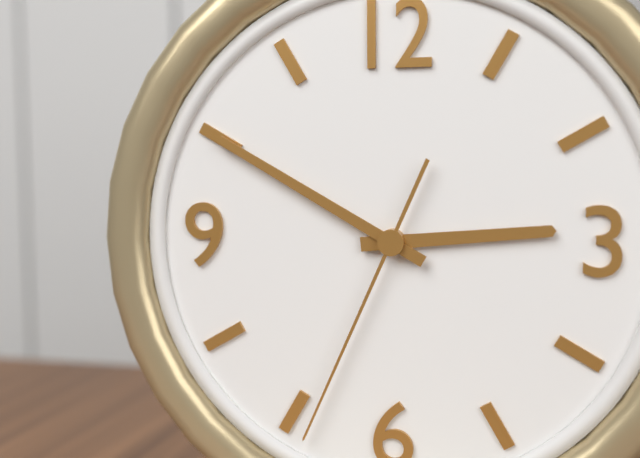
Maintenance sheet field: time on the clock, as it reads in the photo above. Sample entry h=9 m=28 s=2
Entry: h=2 m=50 s=34
